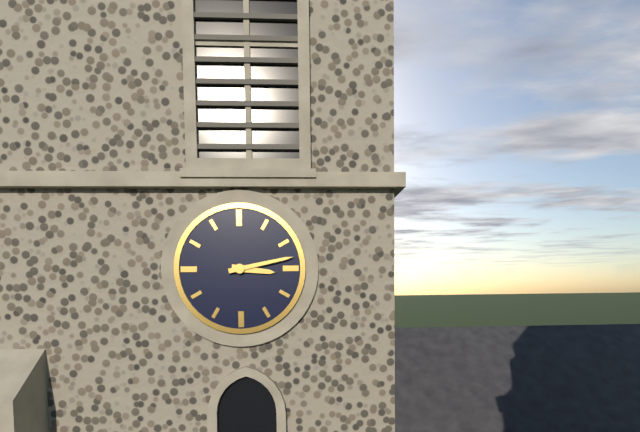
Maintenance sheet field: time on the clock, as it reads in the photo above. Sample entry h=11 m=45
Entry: h=3 m=13
